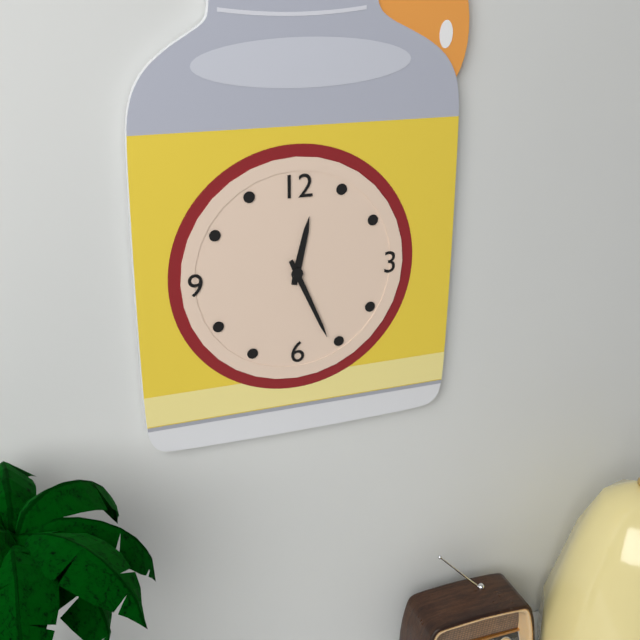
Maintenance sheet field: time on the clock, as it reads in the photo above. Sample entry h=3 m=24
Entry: h=12 m=26
